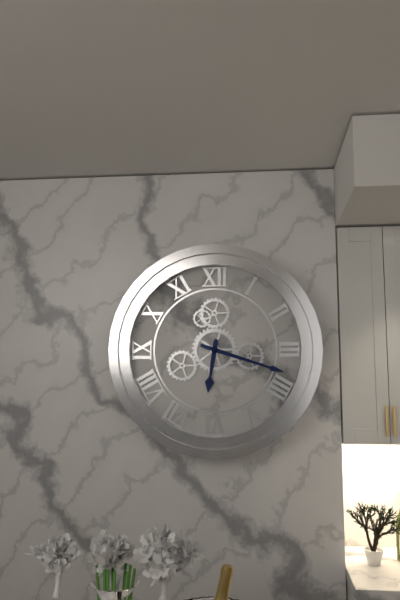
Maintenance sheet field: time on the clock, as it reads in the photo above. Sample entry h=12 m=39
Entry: h=6 m=18
